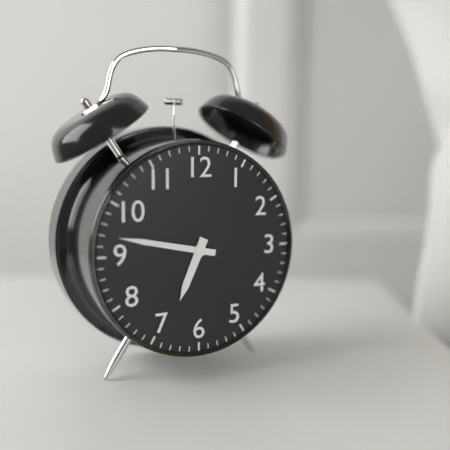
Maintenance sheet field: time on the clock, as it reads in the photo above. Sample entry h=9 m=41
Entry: h=6 m=47
